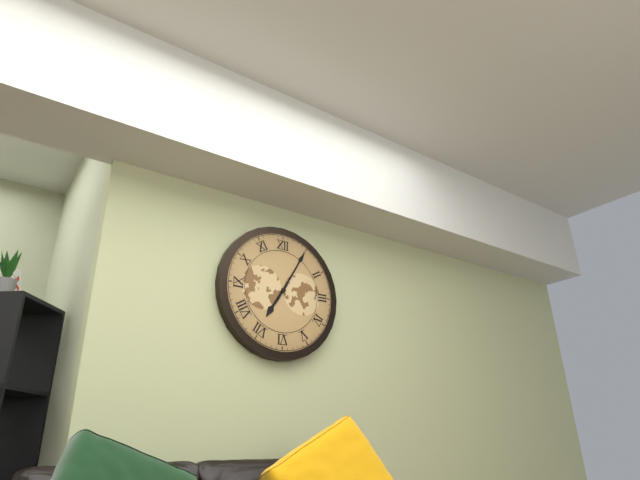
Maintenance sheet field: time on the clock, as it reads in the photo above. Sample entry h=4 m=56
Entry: h=7 m=5
